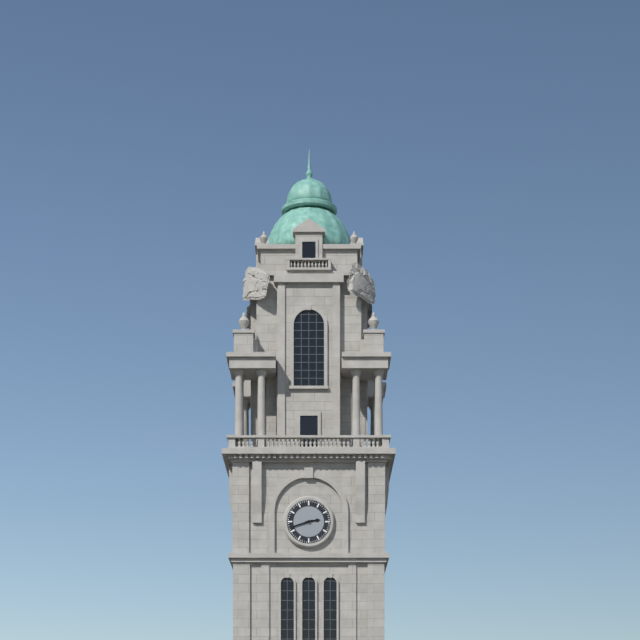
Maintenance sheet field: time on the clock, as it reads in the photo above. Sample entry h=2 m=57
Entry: h=2 m=42
